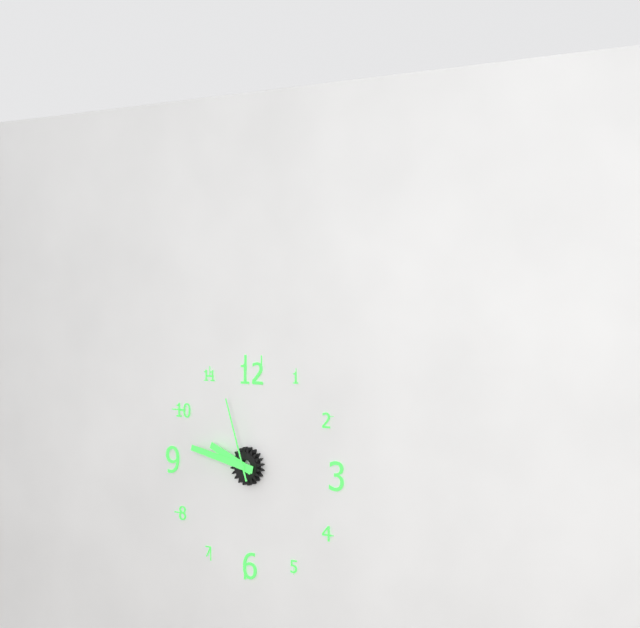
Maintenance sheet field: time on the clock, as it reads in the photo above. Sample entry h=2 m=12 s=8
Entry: h=9 m=47 s=57
